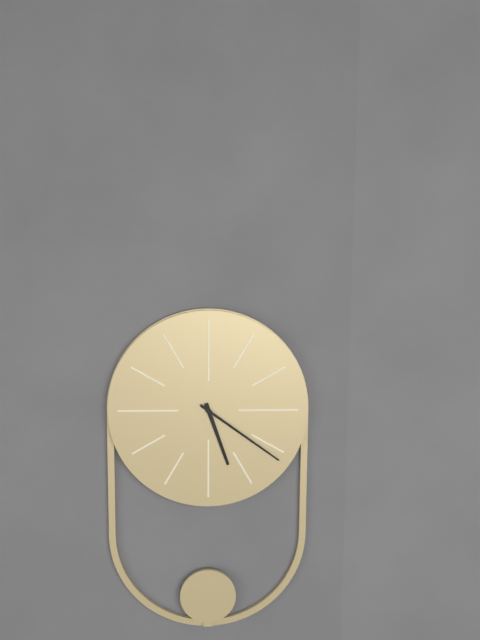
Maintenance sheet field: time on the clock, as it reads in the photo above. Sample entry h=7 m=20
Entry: h=5 m=21
